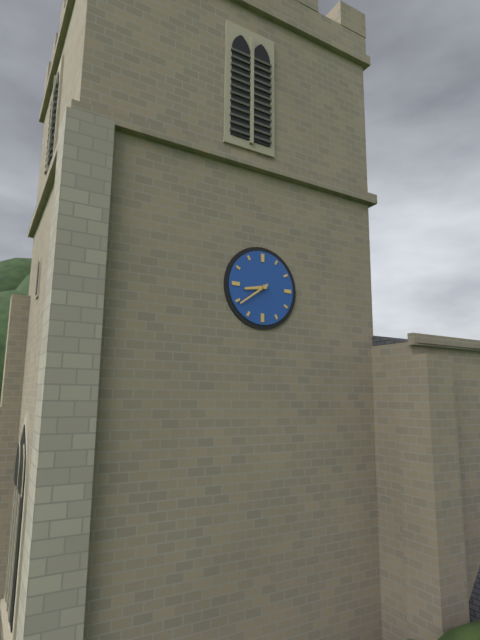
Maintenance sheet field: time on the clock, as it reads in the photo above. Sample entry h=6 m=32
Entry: h=8 m=39
